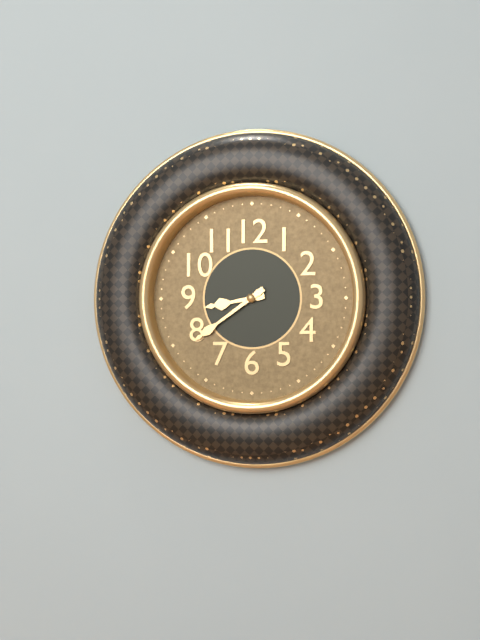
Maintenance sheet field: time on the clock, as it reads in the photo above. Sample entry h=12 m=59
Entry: h=8 m=39
